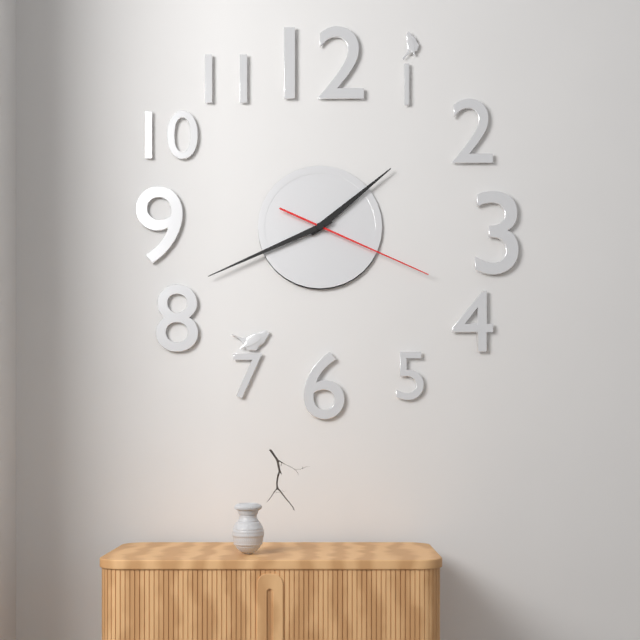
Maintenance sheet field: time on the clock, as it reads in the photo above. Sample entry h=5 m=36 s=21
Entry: h=1 m=41 s=19
